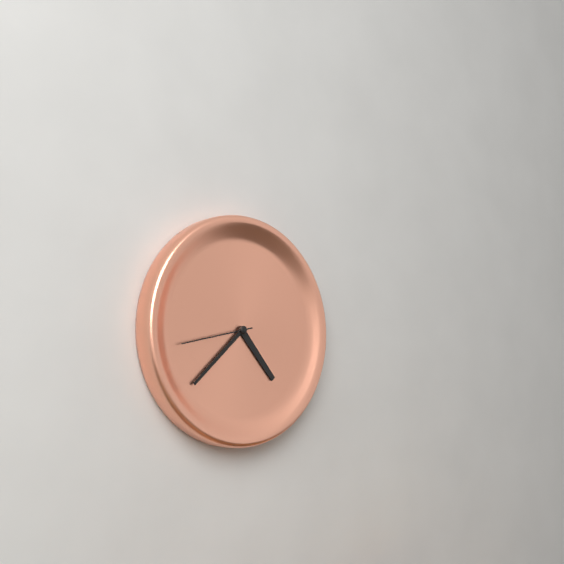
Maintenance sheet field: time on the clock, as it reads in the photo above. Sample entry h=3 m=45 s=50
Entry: h=4 m=38 s=43
